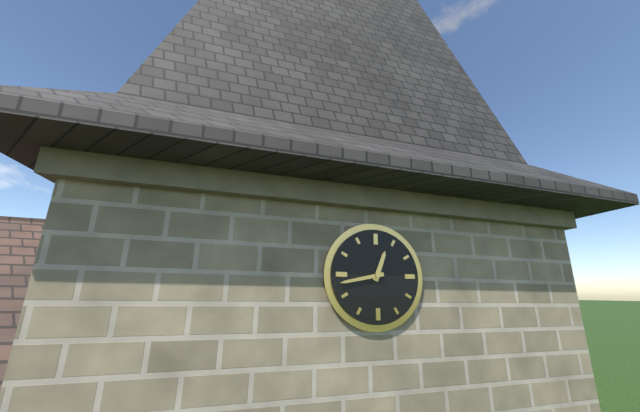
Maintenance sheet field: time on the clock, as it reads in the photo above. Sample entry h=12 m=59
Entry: h=12 m=43
